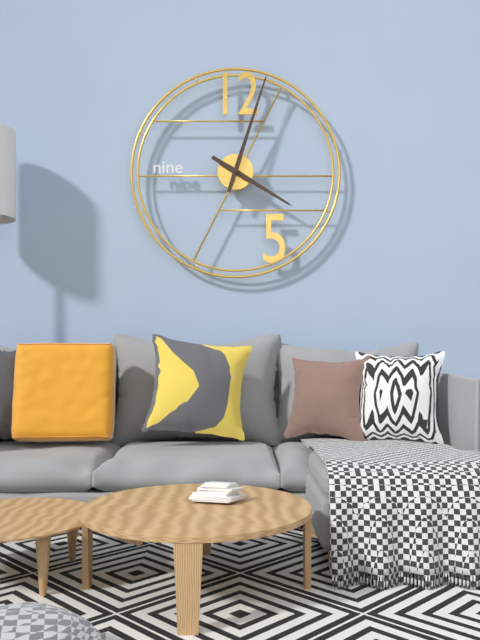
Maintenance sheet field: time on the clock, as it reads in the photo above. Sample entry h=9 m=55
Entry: h=4 m=3
